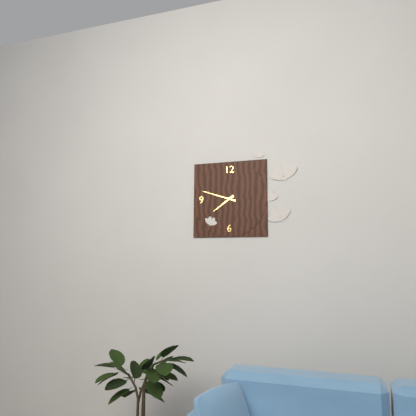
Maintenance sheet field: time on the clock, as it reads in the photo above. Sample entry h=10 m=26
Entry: h=7 m=48
